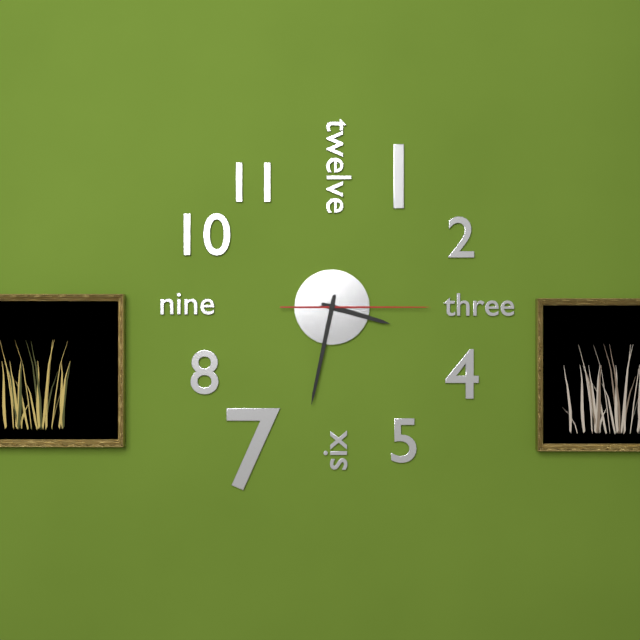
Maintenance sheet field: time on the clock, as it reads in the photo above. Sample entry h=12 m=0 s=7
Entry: h=3 m=32 s=15
